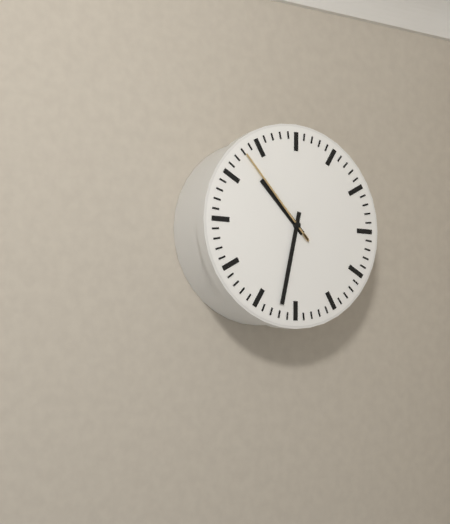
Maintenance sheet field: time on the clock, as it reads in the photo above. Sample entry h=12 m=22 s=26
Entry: h=10 m=32 s=53
